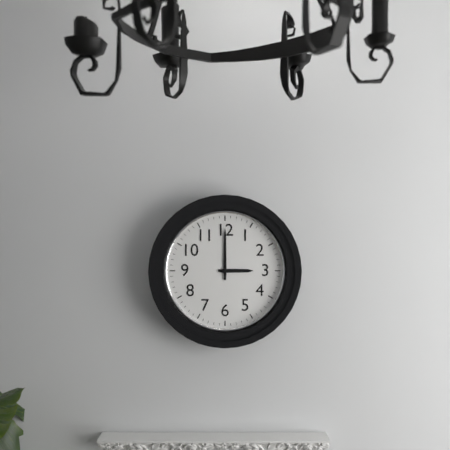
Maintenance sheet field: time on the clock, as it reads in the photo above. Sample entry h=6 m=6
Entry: h=3 m=0
